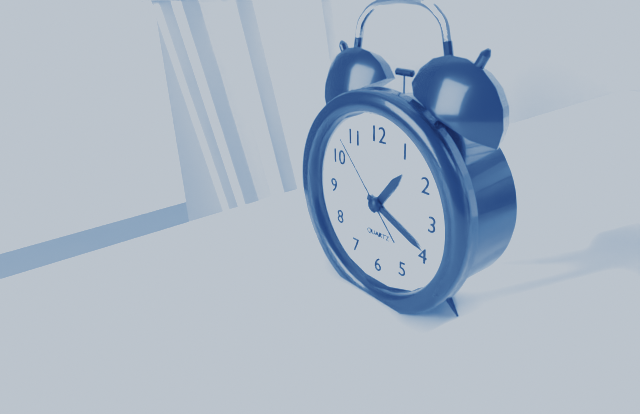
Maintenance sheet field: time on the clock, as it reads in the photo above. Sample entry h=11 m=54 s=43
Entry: h=1 m=19 s=53
